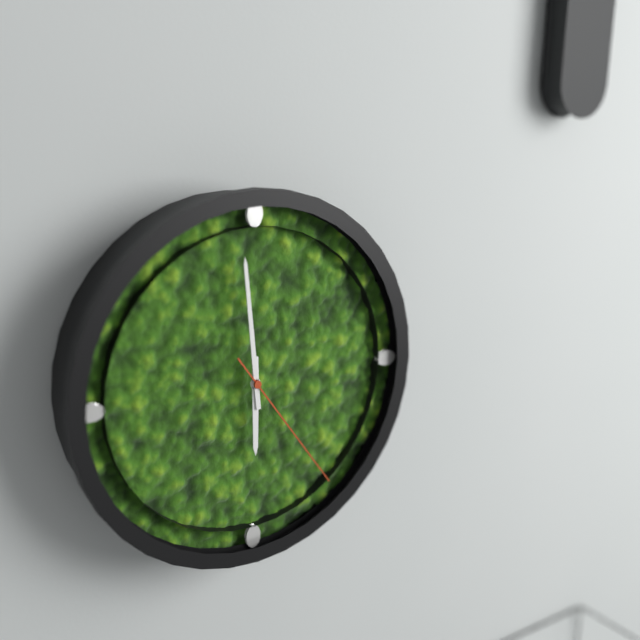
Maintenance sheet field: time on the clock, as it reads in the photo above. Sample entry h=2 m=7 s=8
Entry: h=5 m=59 s=24
